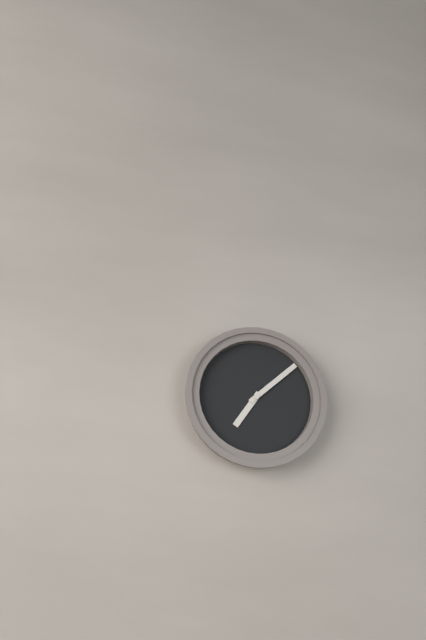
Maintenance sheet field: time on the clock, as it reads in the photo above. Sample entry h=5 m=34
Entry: h=7 m=8
